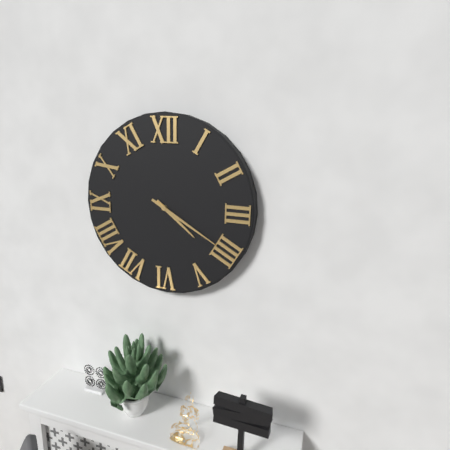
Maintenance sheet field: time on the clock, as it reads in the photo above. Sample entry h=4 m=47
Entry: h=4 m=20
